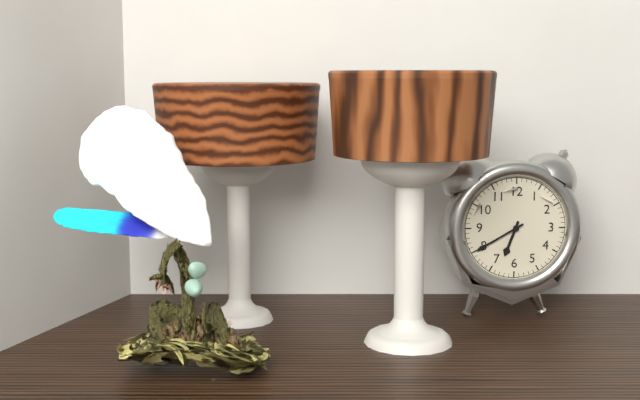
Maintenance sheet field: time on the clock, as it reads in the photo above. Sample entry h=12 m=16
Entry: h=6 m=40
